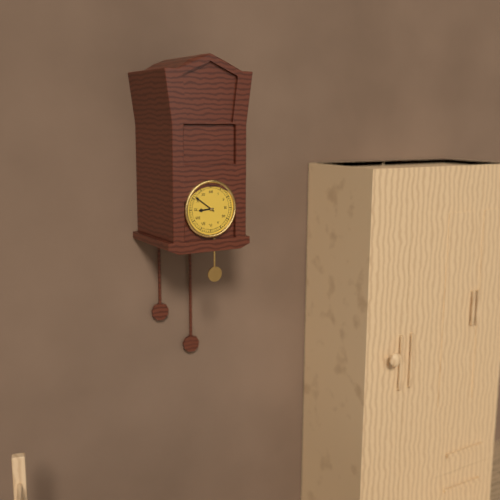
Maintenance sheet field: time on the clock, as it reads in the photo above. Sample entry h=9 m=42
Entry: h=8 m=51
